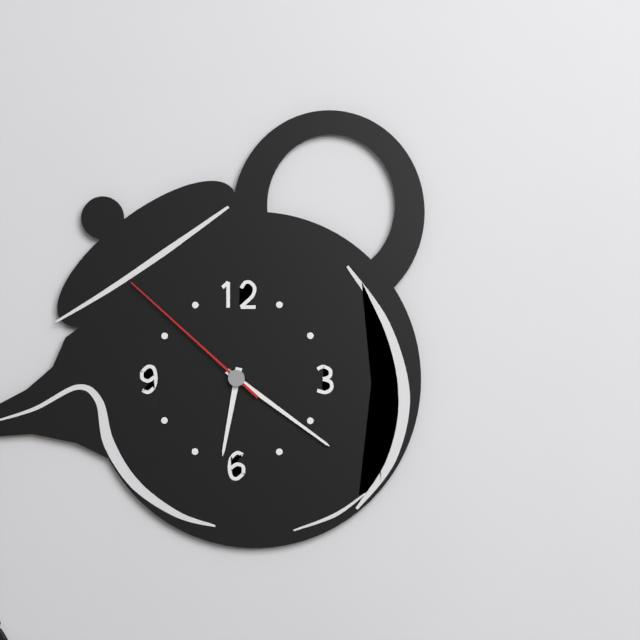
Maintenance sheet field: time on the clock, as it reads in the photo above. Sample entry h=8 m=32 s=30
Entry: h=6 m=21 s=52
